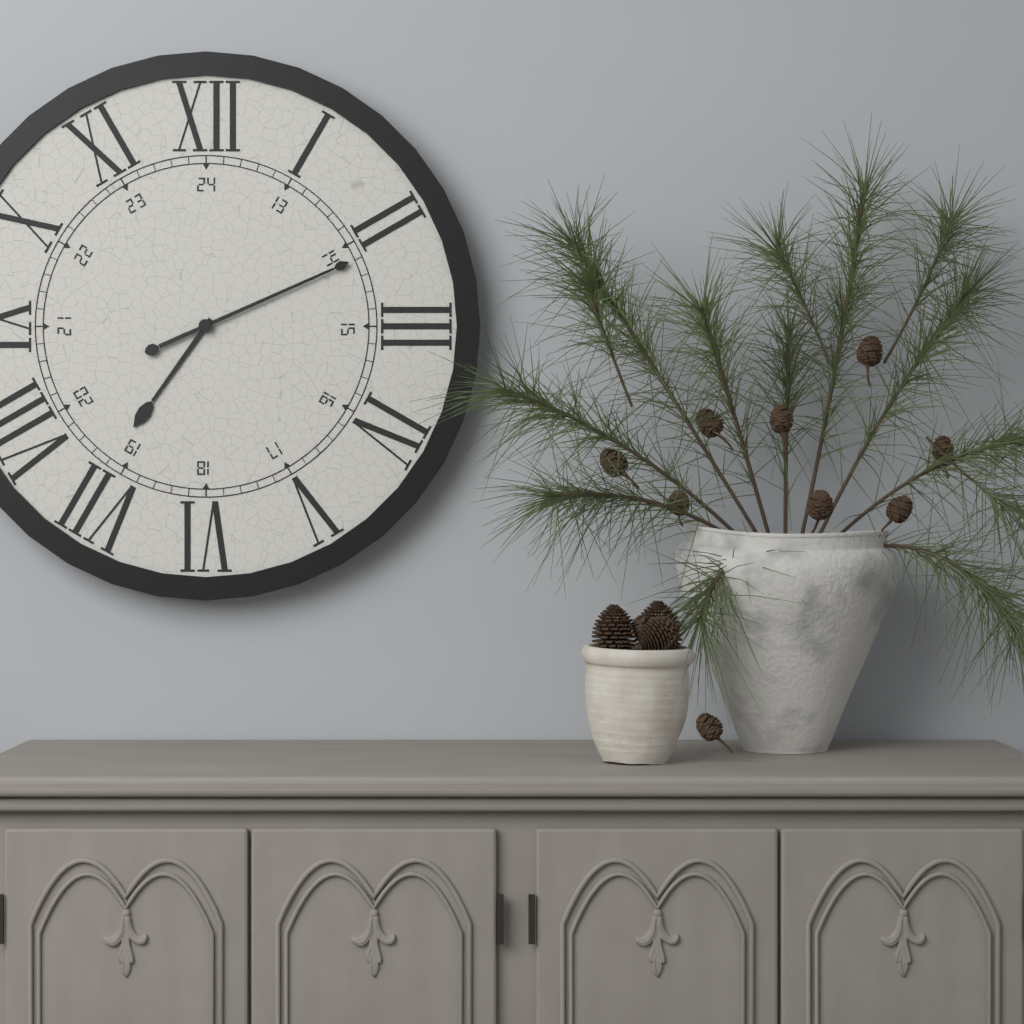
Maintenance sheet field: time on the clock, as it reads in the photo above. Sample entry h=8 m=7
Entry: h=7 m=11
